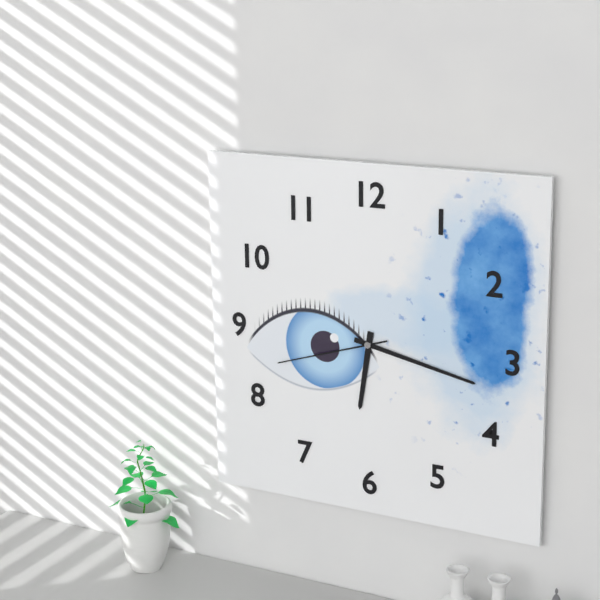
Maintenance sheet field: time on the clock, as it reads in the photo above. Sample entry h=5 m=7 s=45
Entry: h=6 m=17 s=42
